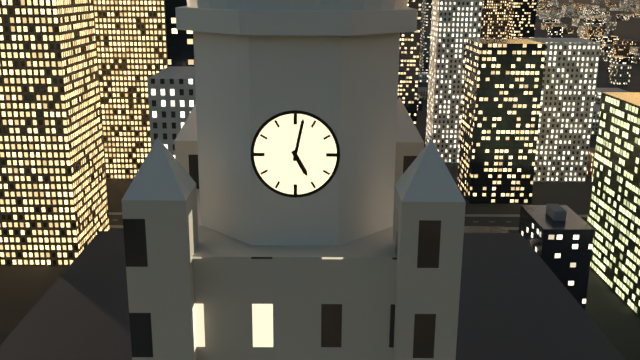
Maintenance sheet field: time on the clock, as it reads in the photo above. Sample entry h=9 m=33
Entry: h=5 m=2
